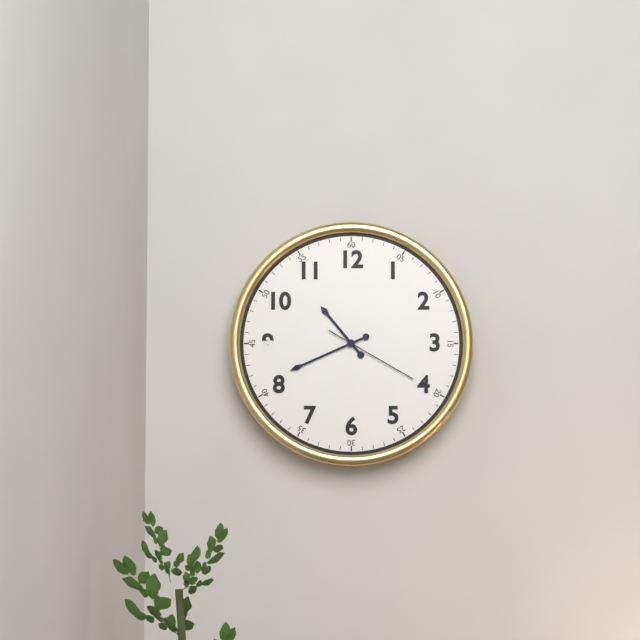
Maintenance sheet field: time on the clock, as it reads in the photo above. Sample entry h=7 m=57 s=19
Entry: h=10 m=41 s=20
